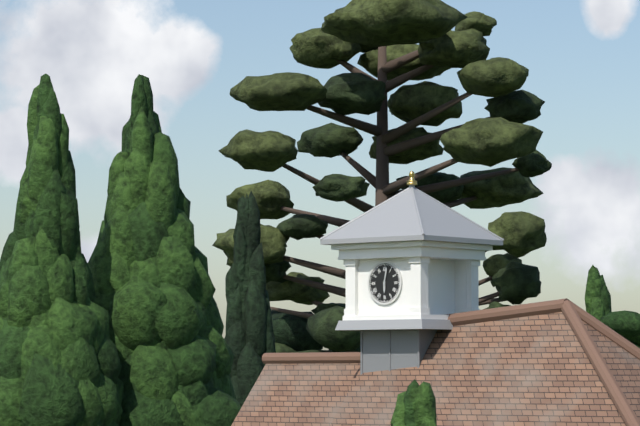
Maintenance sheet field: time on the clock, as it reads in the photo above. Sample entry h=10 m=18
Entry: h=6 m=2
